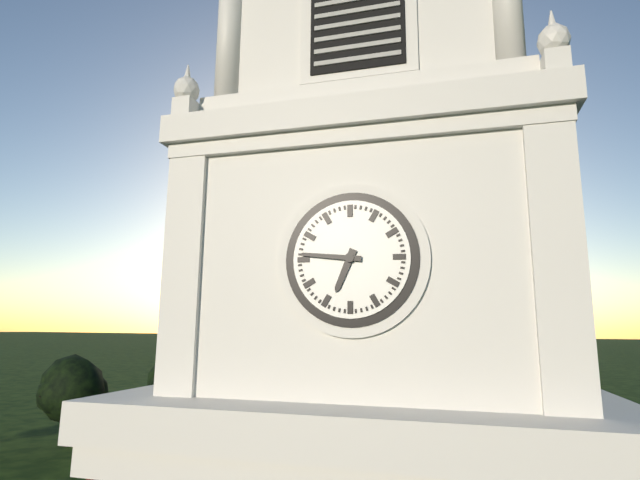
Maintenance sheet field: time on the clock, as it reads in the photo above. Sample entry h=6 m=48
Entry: h=6 m=46
